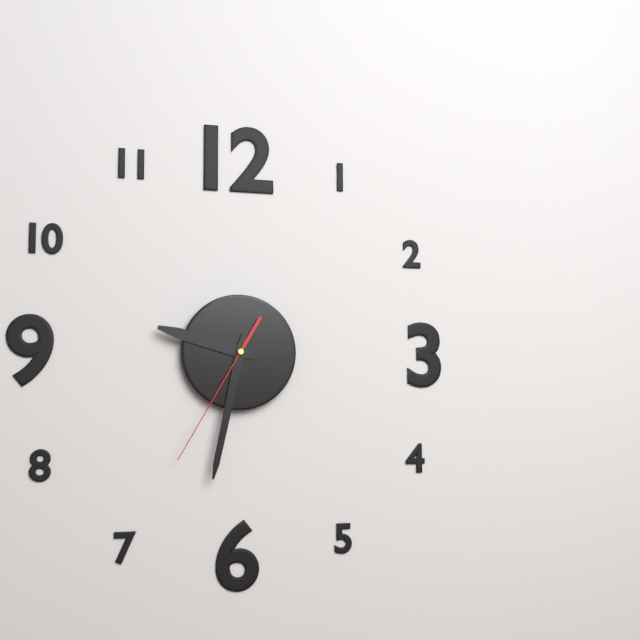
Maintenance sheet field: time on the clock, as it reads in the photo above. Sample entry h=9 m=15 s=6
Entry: h=9 m=32 s=35
